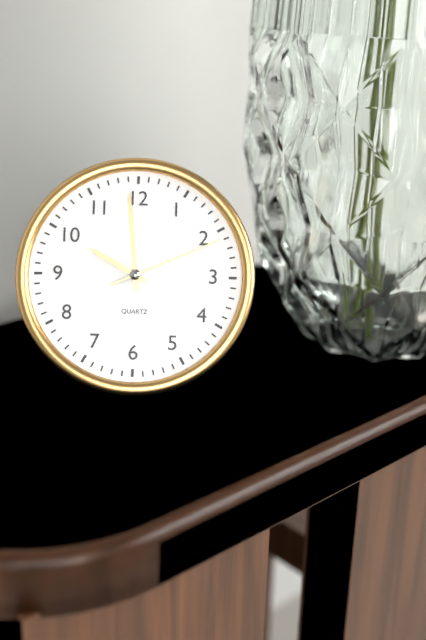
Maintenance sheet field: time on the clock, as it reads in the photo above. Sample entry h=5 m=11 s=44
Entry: h=9 m=59 s=11
